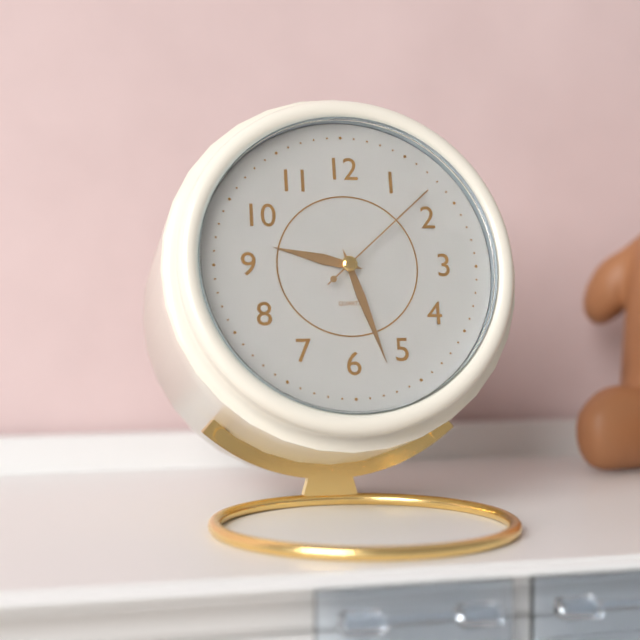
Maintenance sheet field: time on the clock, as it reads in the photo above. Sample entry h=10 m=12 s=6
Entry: h=9 m=27 s=8
